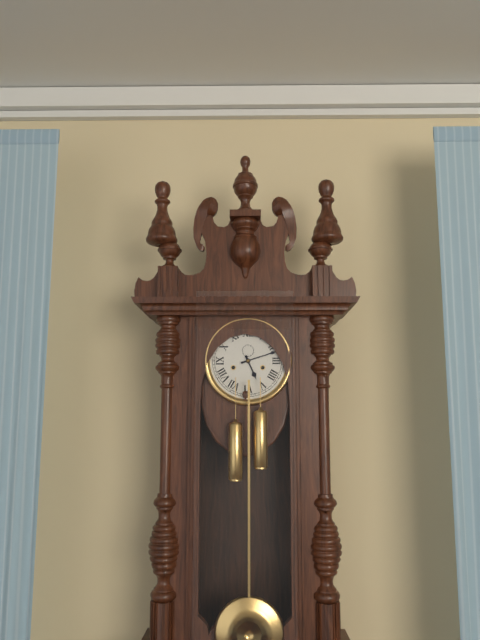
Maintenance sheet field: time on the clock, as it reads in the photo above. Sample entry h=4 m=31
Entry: h=5 m=12
